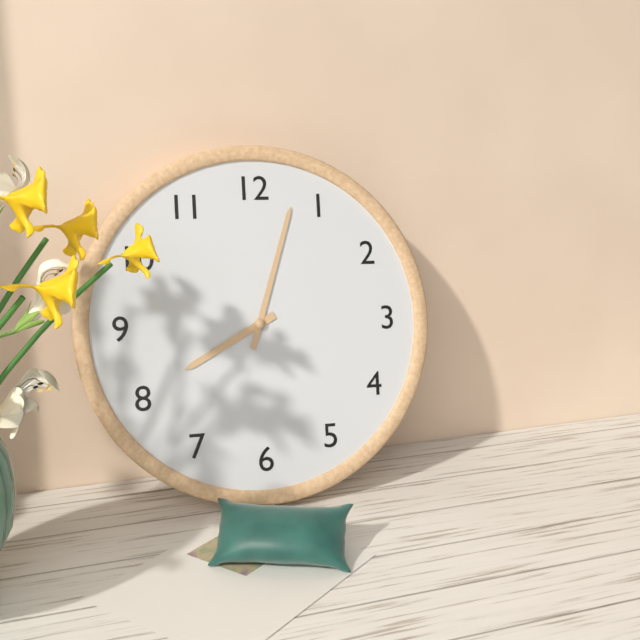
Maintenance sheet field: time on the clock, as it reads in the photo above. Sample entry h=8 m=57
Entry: h=8 m=3
